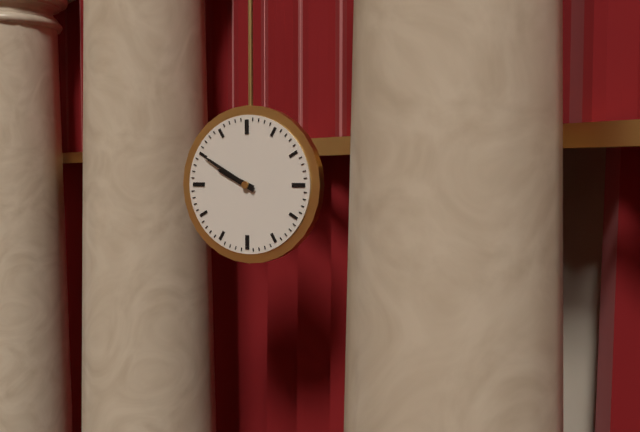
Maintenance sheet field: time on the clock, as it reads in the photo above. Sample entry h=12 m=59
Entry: h=9 m=50
